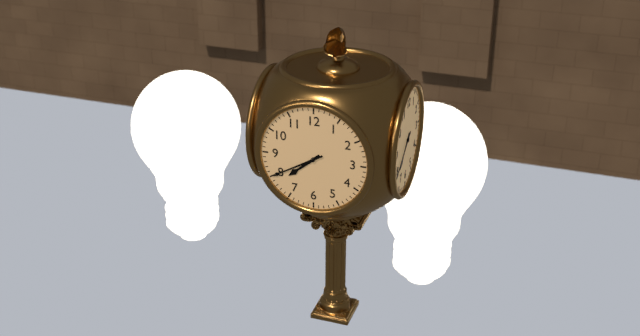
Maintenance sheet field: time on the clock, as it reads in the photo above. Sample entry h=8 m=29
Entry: h=7 m=40
